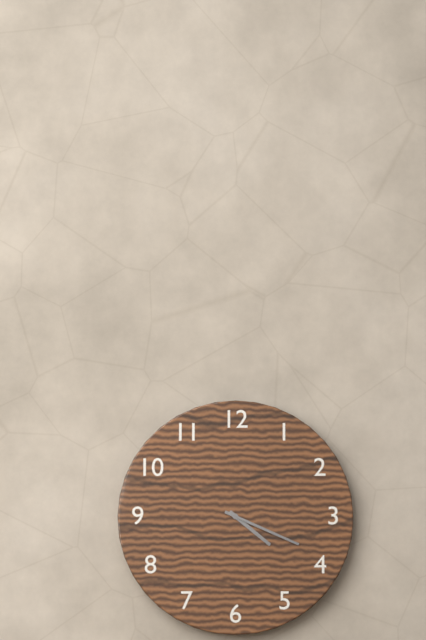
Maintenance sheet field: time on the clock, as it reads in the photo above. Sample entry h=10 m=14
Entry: h=4 m=19
